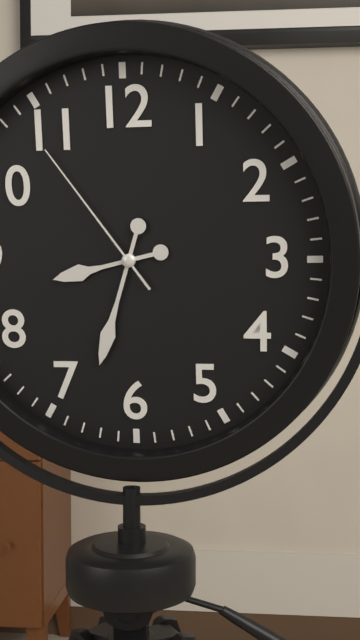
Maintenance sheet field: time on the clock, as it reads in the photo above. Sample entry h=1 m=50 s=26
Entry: h=8 m=33 s=54
